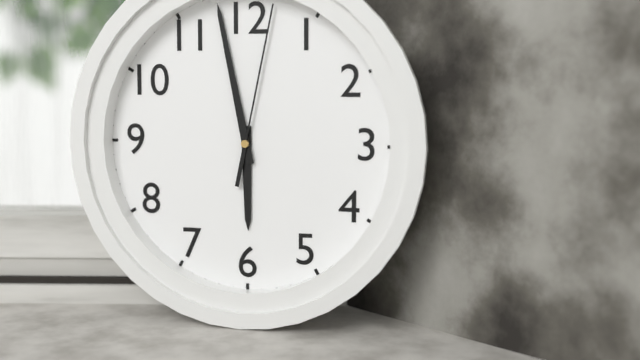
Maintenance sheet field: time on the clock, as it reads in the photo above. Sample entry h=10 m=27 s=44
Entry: h=5 m=58 s=2
